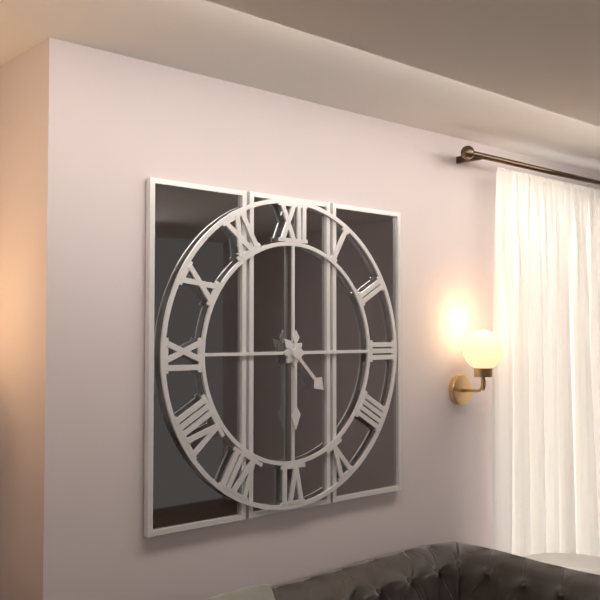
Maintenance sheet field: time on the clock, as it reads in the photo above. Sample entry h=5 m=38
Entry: h=4 m=30
